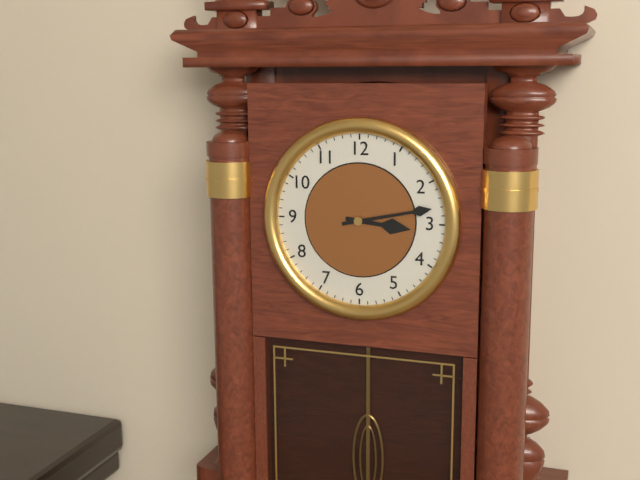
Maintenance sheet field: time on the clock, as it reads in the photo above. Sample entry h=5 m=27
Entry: h=3 m=13
